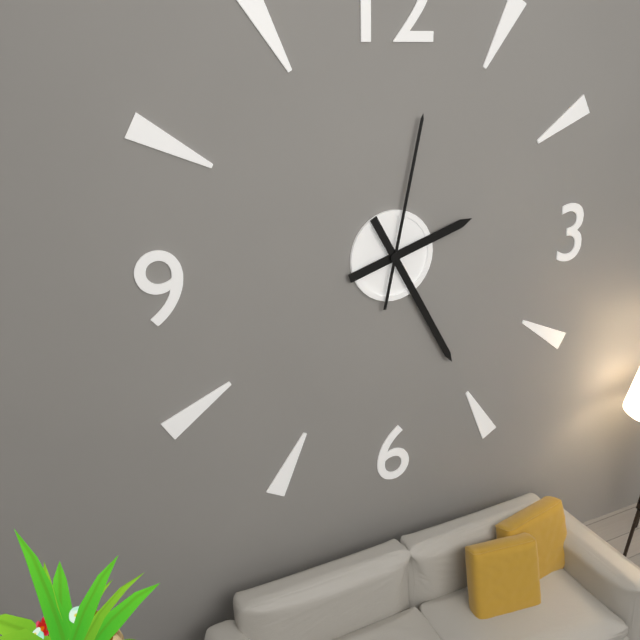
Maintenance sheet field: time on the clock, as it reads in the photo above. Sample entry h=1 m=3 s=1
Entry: h=2 m=25 s=2
